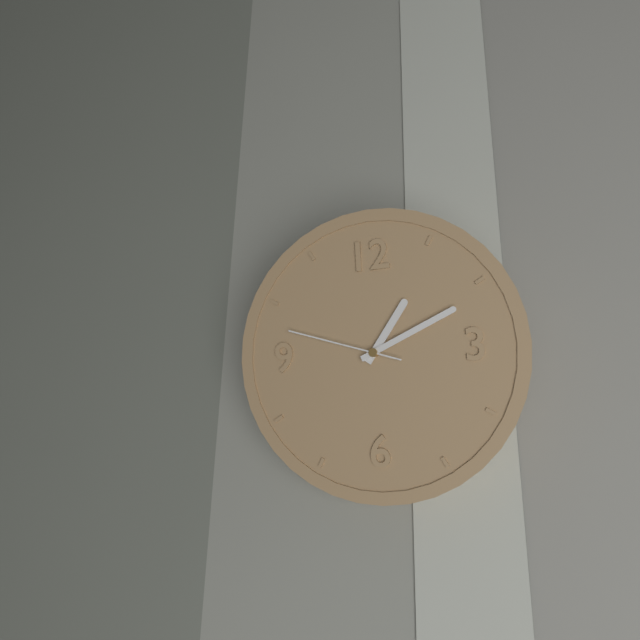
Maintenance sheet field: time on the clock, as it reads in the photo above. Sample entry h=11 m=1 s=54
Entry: h=1 m=11 s=48
